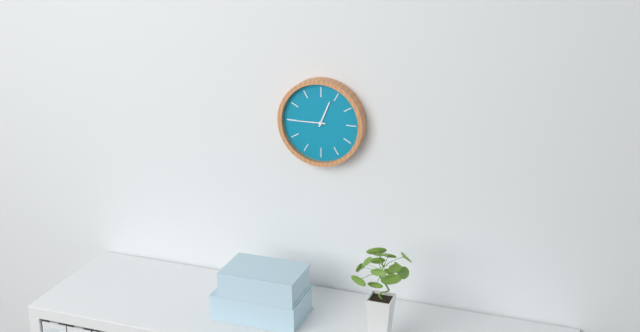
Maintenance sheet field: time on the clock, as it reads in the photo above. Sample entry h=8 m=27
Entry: h=12 m=45
